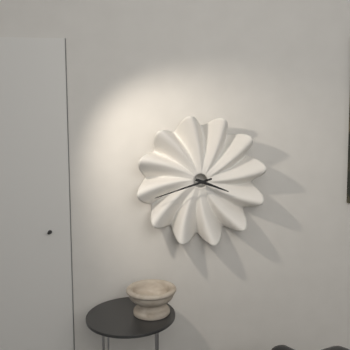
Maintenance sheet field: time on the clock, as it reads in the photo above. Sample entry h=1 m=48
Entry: h=3 m=42
